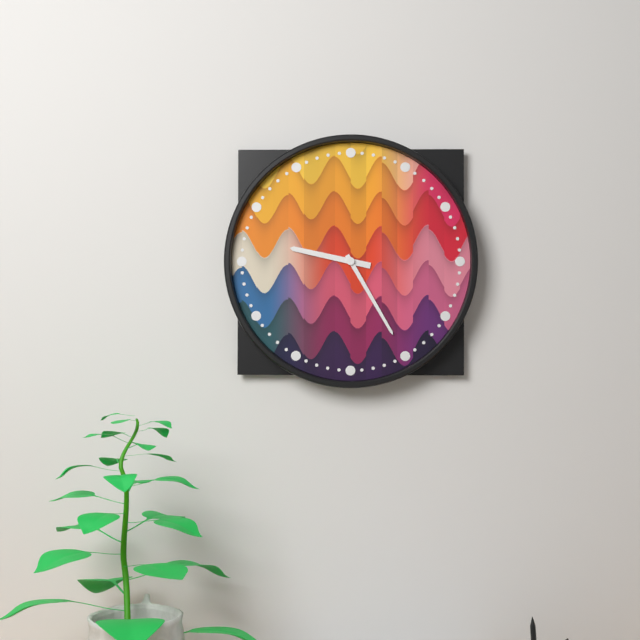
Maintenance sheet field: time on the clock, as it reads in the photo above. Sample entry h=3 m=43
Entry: h=9 m=25
